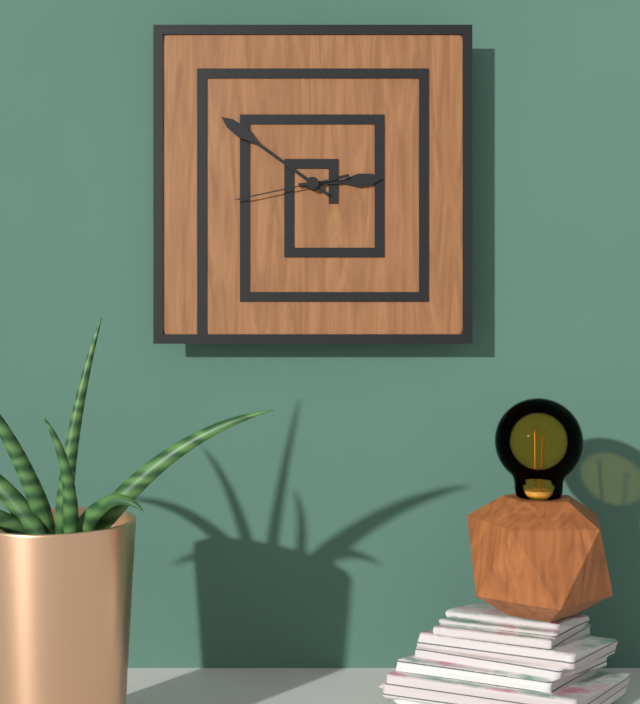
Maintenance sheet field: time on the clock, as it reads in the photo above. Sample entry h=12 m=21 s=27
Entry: h=2 m=51 s=43
